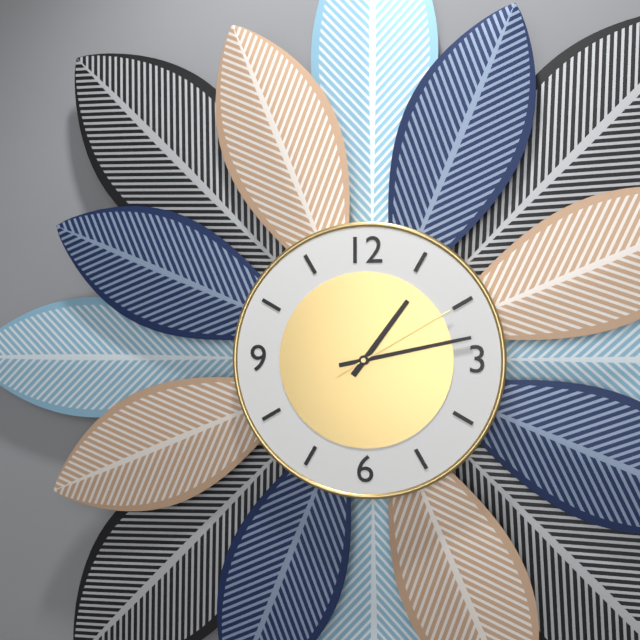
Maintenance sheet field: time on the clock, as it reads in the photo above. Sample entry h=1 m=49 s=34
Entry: h=1 m=13 s=10
